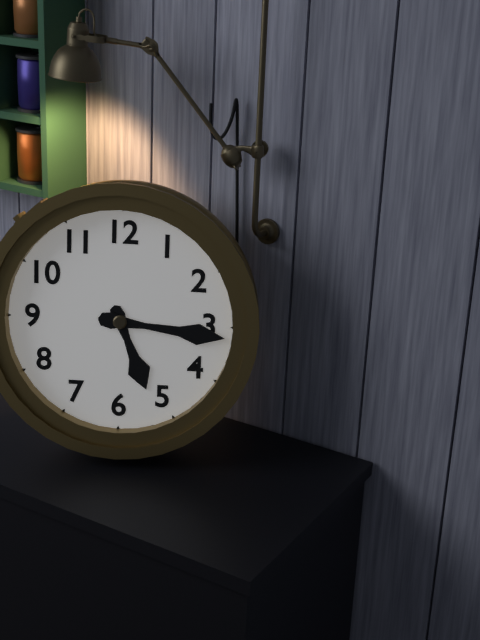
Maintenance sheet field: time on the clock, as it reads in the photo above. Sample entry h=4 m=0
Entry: h=5 m=16
